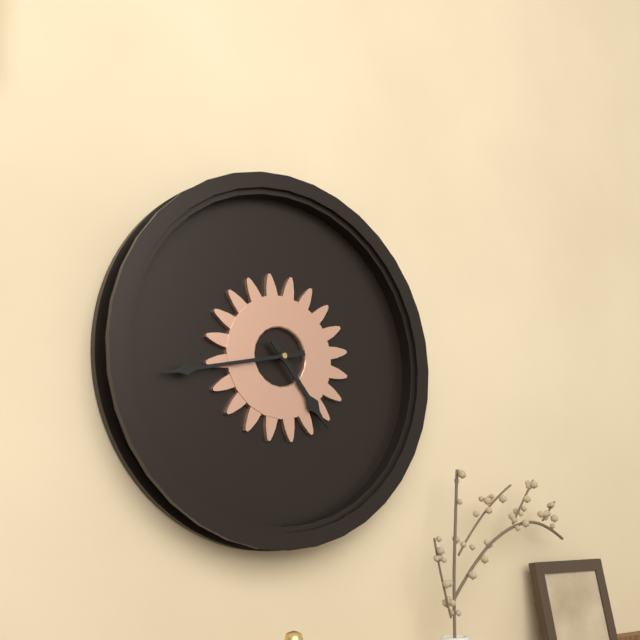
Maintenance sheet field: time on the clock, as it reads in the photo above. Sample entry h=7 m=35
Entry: h=4 m=43
